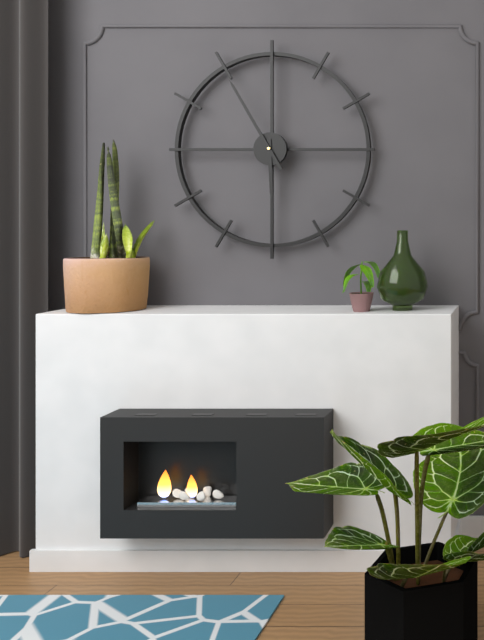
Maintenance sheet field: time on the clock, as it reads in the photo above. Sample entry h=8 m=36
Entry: h=5 m=55
